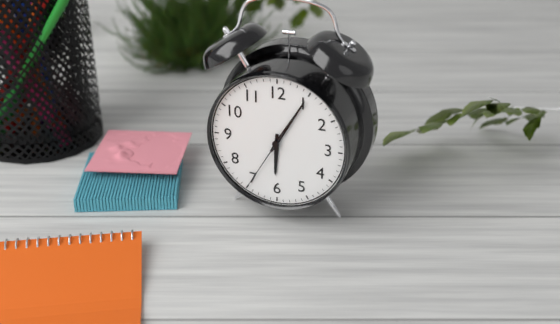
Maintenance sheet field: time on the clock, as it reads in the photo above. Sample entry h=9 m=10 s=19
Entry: h=6 m=5 s=35
